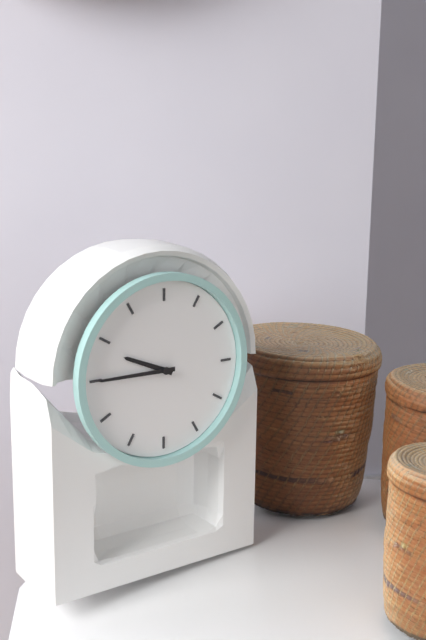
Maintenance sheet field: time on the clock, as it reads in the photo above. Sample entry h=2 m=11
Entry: h=9 m=45
